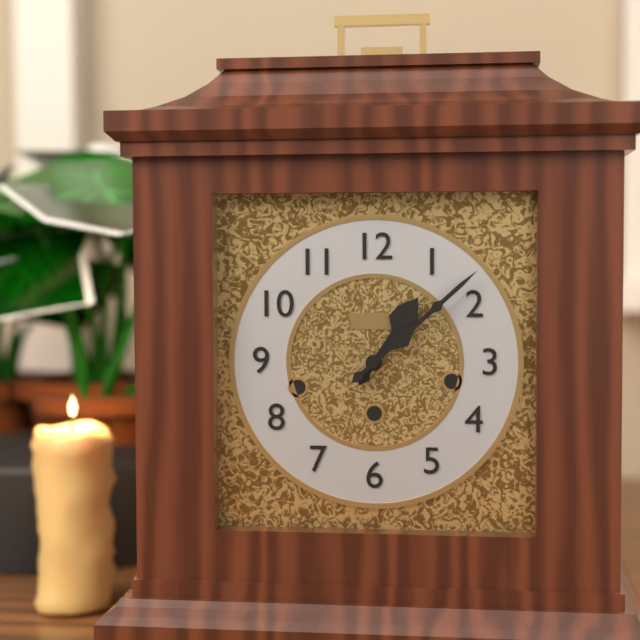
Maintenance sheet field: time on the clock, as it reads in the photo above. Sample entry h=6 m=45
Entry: h=1 m=8
